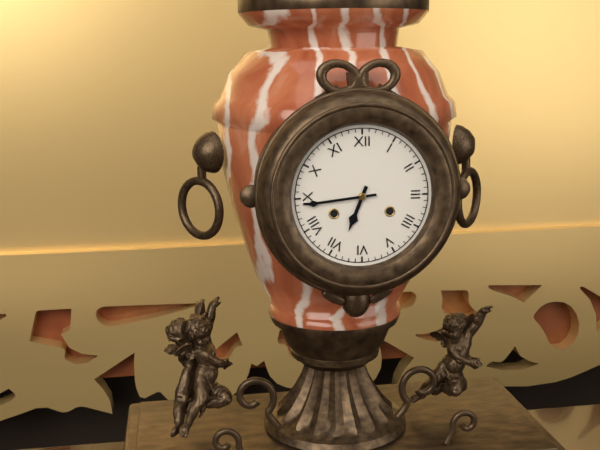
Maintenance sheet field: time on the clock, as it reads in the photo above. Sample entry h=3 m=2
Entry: h=6 m=44
